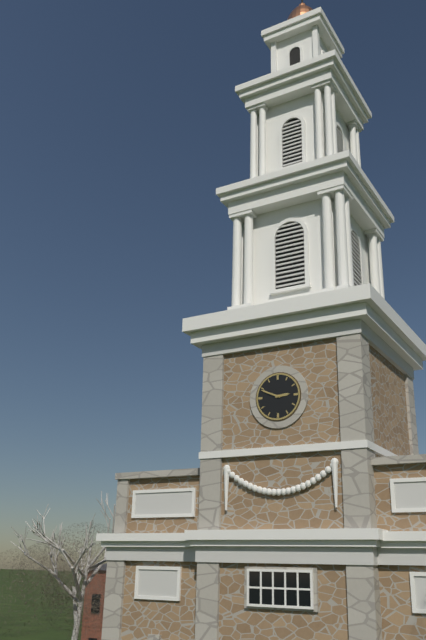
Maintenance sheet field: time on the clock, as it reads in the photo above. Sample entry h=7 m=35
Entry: h=2 m=49
